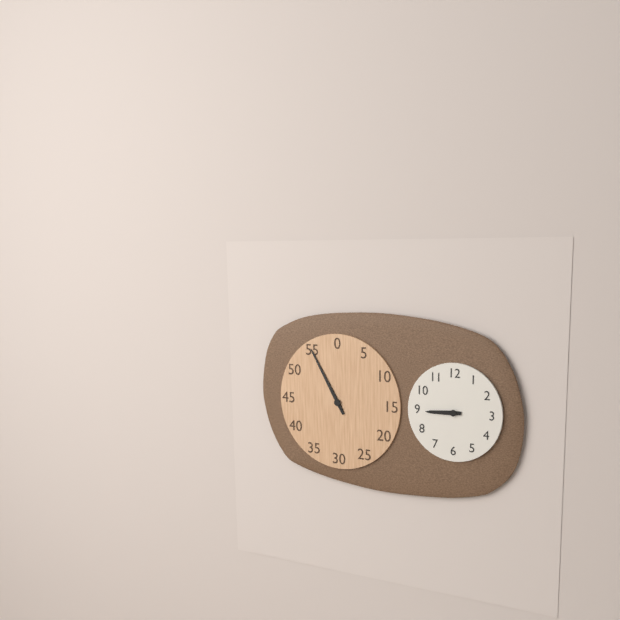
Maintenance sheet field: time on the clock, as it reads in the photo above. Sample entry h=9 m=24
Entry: h=8 m=55
